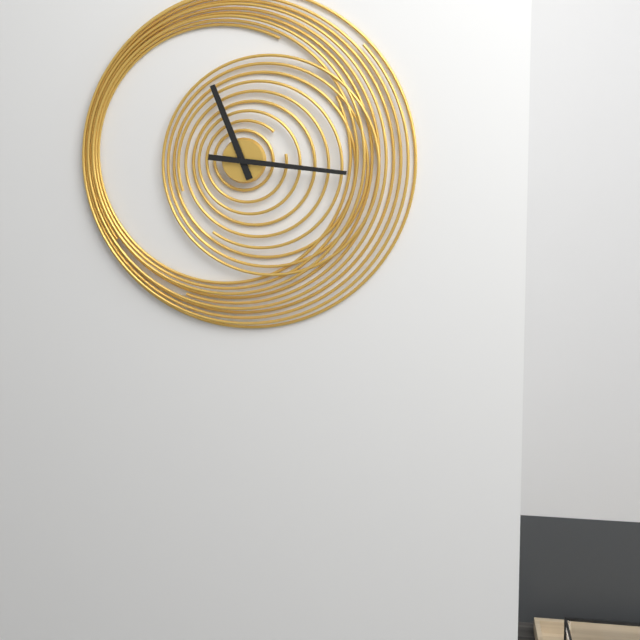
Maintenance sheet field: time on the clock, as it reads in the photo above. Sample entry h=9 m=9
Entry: h=11 m=16
